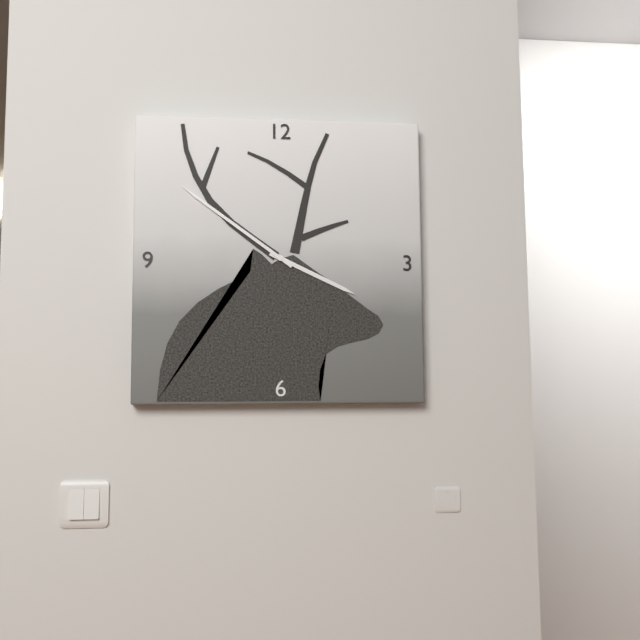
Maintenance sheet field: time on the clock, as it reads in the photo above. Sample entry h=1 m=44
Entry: h=3 m=51
